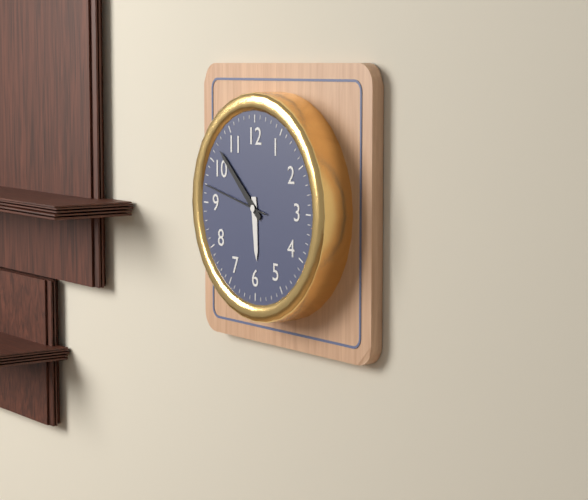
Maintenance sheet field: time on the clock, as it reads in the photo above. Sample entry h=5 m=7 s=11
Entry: h=5 m=52 s=47
